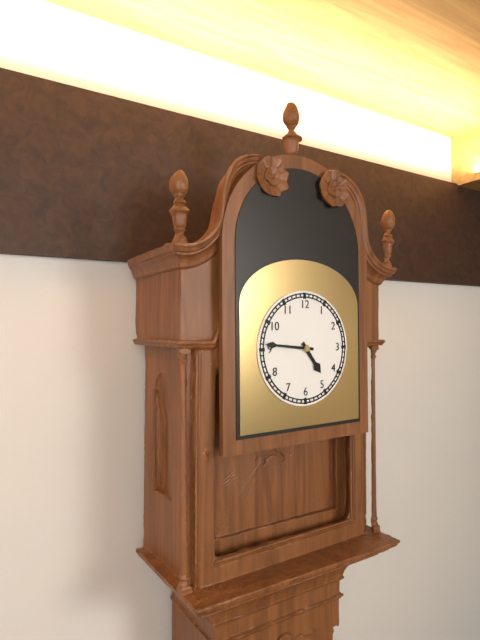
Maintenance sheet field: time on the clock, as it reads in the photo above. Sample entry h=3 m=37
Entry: h=4 m=46
